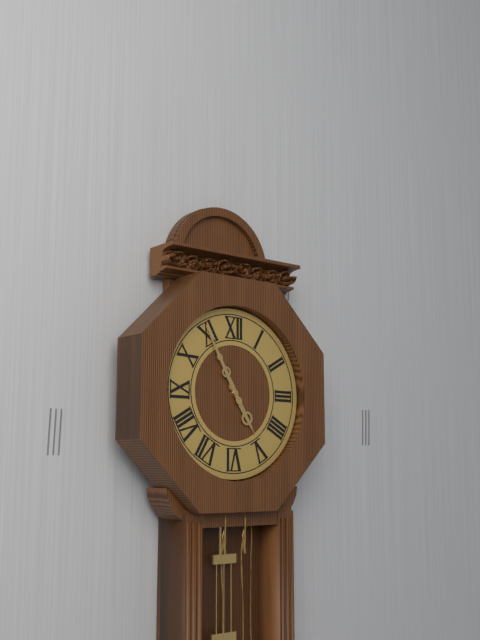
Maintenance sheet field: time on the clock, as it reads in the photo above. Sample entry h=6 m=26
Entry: h=4 m=55
